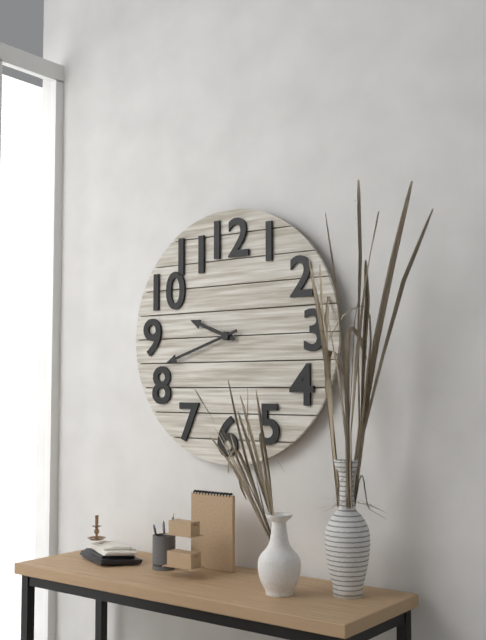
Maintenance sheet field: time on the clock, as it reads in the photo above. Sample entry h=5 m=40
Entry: h=9 m=42
